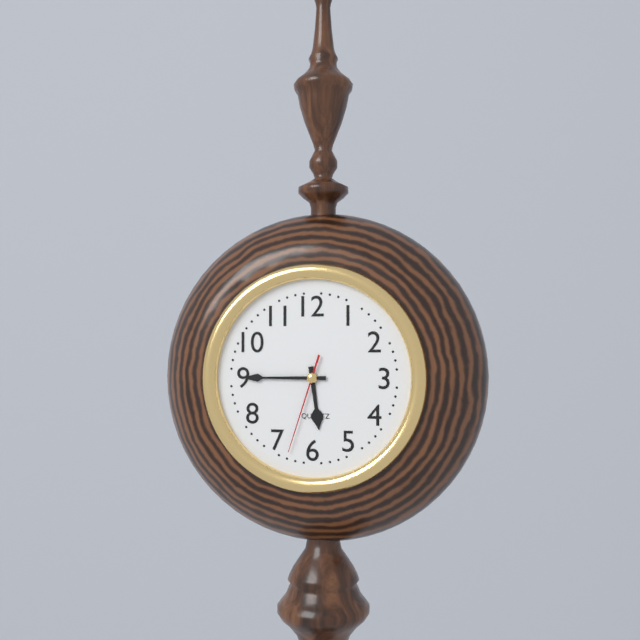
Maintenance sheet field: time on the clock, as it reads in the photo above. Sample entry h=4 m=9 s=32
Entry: h=5 m=45 s=33
